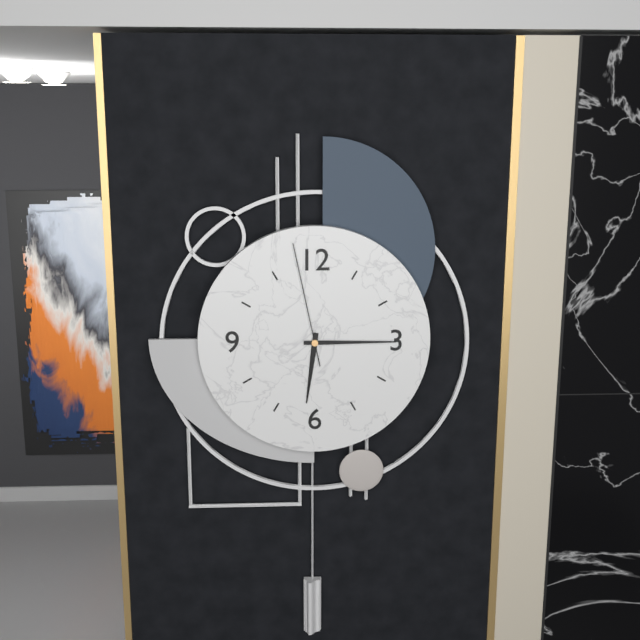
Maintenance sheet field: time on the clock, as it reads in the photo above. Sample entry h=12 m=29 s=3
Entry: h=6 m=15 s=58
